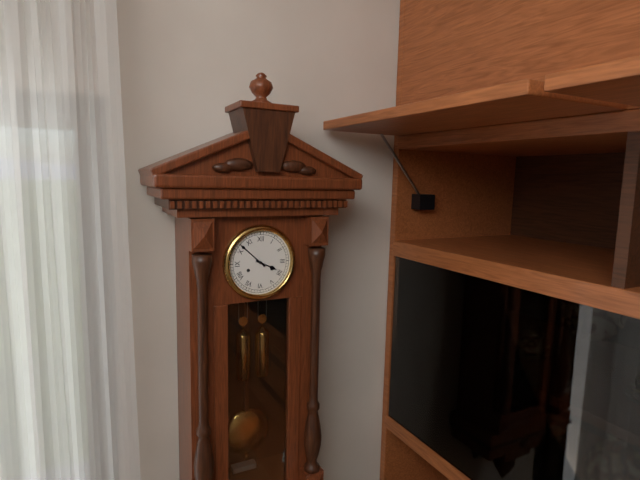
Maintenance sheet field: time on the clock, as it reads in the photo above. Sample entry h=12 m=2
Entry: h=3 m=52
